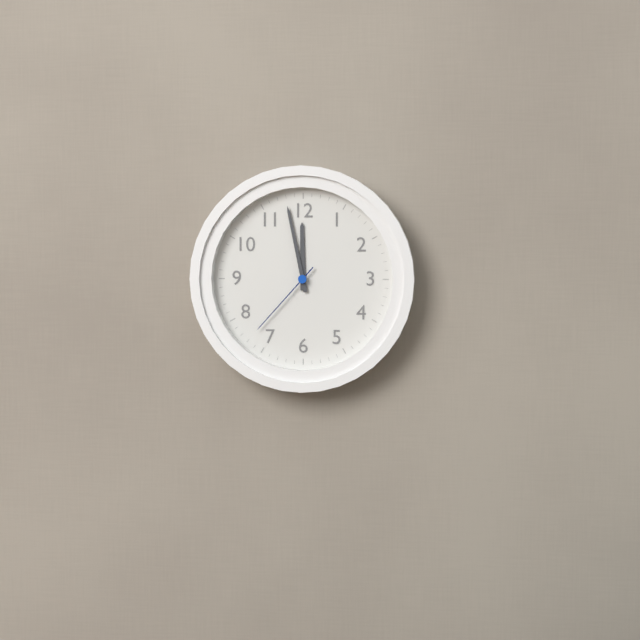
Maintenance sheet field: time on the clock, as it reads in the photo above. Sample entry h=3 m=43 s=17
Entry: h=11 m=58 s=37
